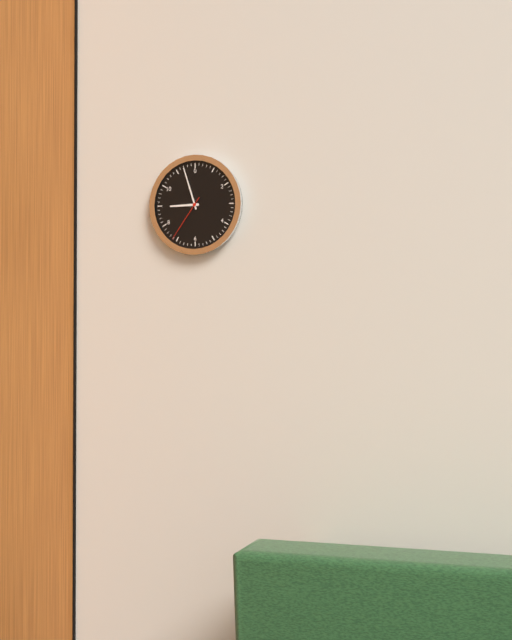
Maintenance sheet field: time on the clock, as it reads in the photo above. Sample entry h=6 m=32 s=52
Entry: h=8 m=57 s=36
